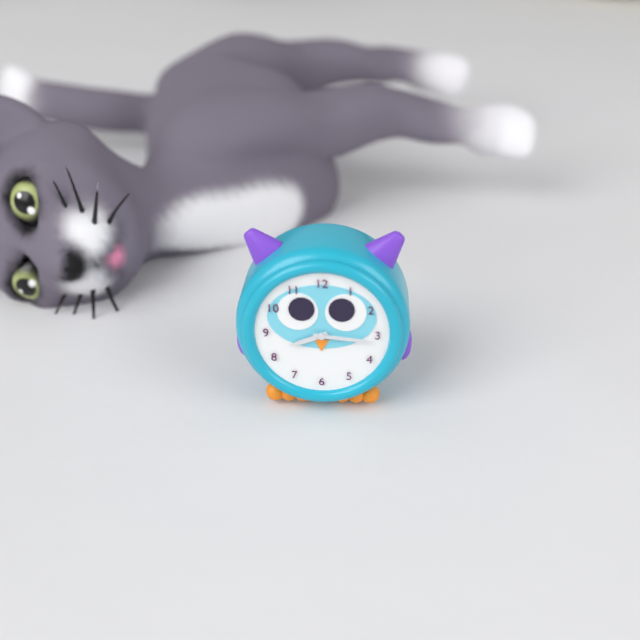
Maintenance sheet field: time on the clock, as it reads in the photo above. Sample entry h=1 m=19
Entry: h=8 m=16
